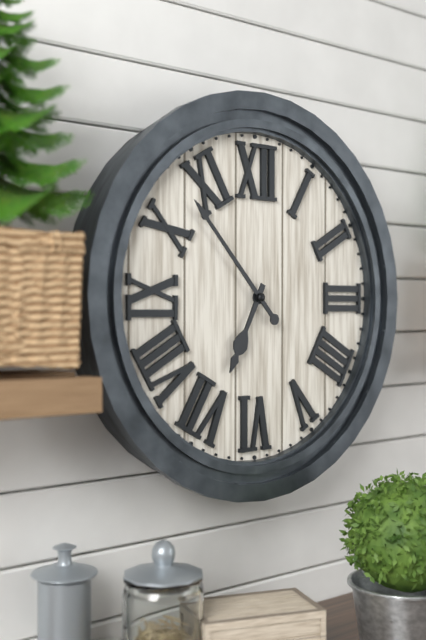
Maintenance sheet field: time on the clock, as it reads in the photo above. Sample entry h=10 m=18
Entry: h=6 m=53
